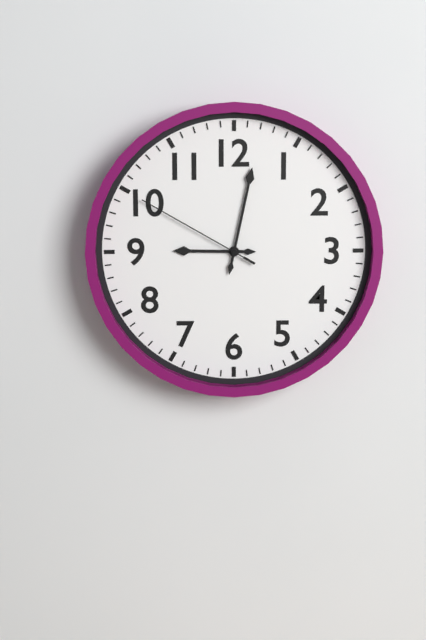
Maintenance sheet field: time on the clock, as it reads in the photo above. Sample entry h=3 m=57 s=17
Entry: h=9 m=2 s=50
